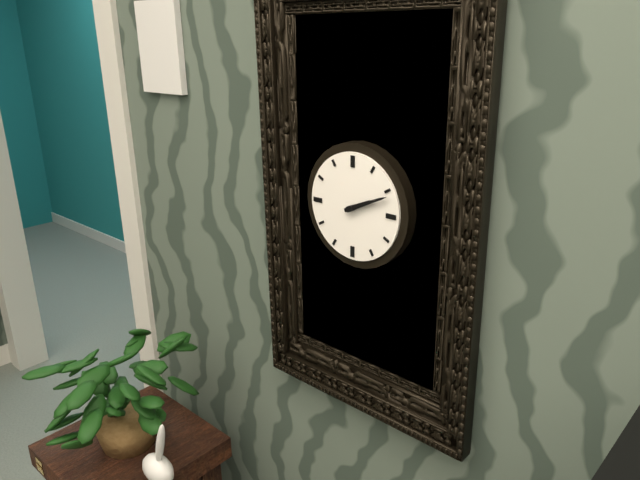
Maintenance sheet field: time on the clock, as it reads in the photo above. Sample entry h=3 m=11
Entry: h=2 m=11
